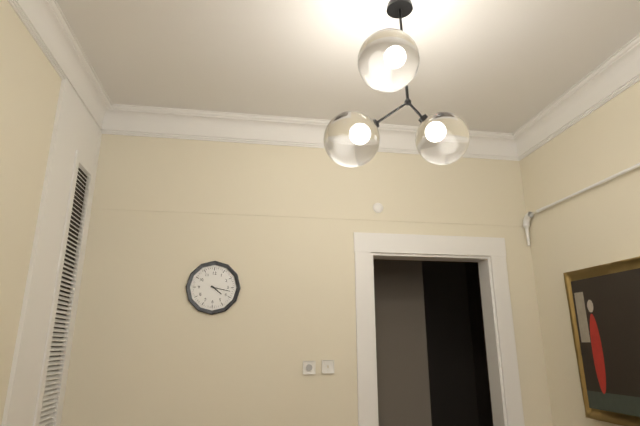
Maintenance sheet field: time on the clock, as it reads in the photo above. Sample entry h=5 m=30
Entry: h=4 m=17
